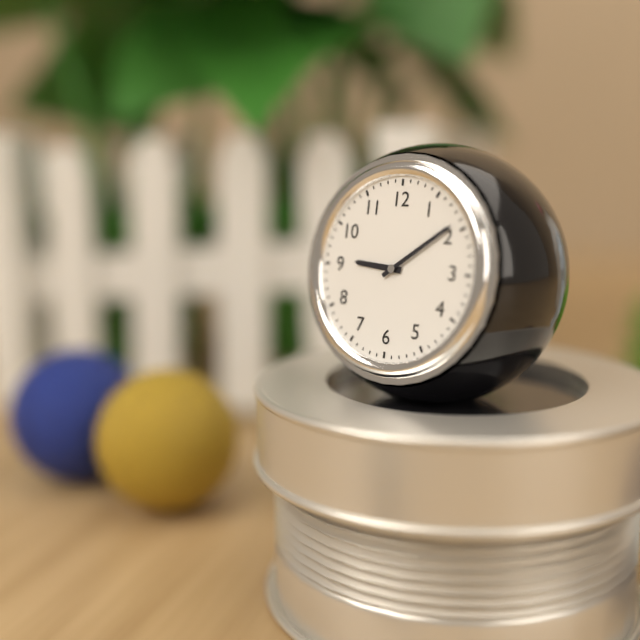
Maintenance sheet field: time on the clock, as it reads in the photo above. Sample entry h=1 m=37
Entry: h=9 m=9
